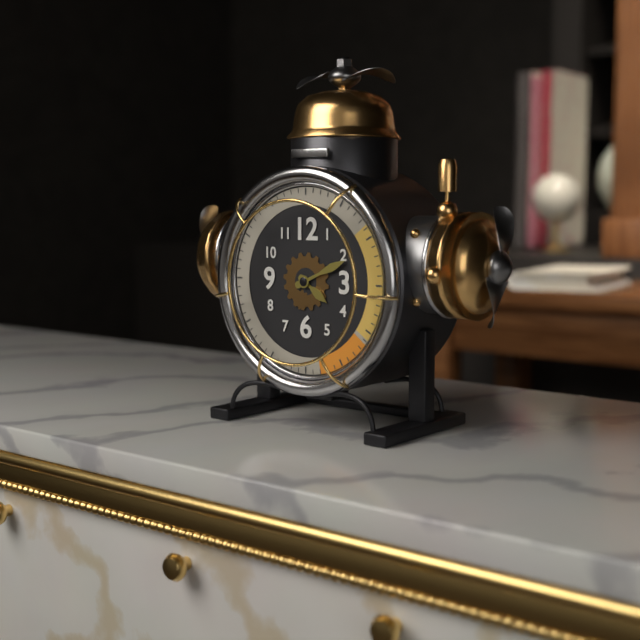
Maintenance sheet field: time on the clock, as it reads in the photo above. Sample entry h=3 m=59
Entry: h=4 m=11
